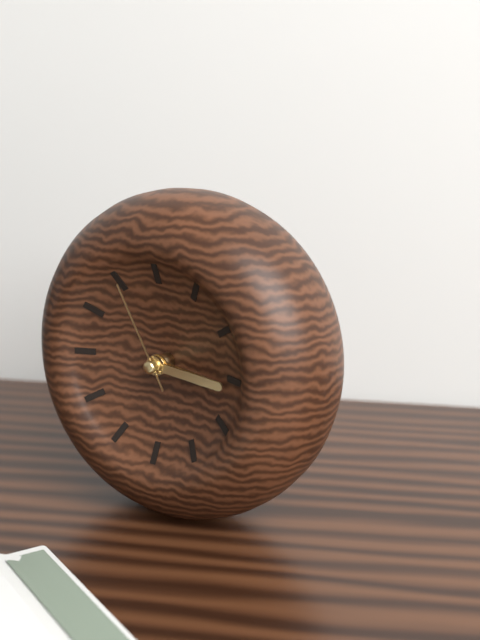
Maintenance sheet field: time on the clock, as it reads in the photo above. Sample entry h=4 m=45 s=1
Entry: h=3 m=16 s=55
